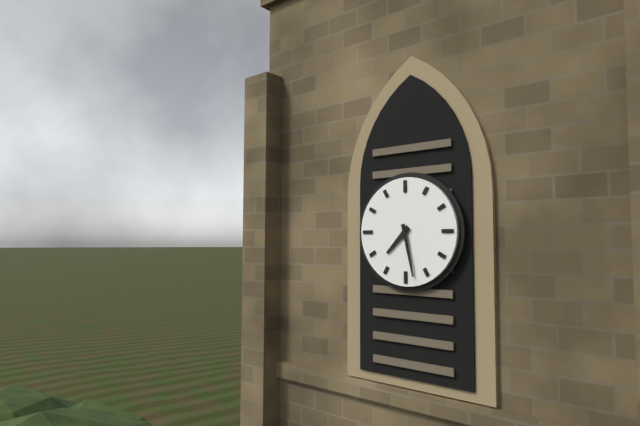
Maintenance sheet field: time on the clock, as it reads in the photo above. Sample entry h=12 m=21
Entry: h=7 m=28
